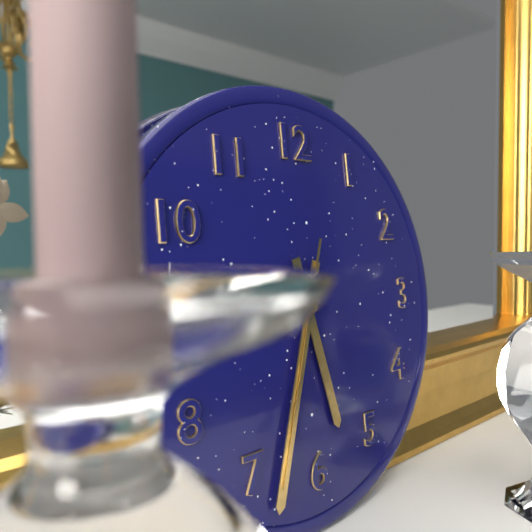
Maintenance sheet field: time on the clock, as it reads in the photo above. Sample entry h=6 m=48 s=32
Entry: h=5 m=33 s=33
